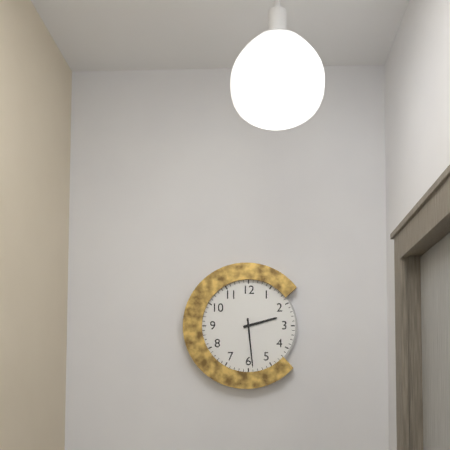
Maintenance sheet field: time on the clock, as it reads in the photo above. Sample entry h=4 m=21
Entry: h=2 m=29
